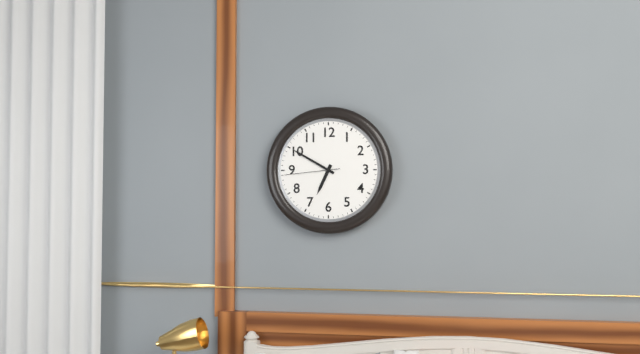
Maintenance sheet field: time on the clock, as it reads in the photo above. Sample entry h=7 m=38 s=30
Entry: h=6 m=50 s=44
